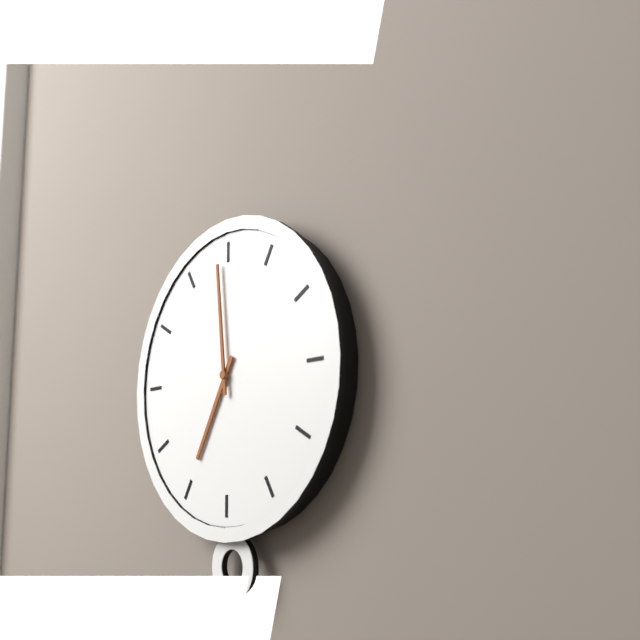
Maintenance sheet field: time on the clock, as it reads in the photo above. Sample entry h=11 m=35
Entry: h=6 m=59
